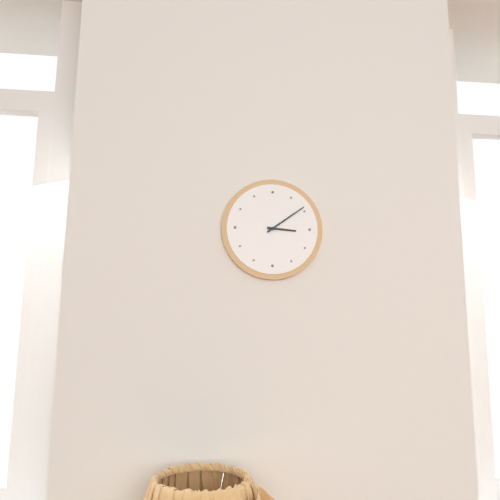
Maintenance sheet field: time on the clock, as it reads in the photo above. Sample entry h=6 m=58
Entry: h=3 m=9
